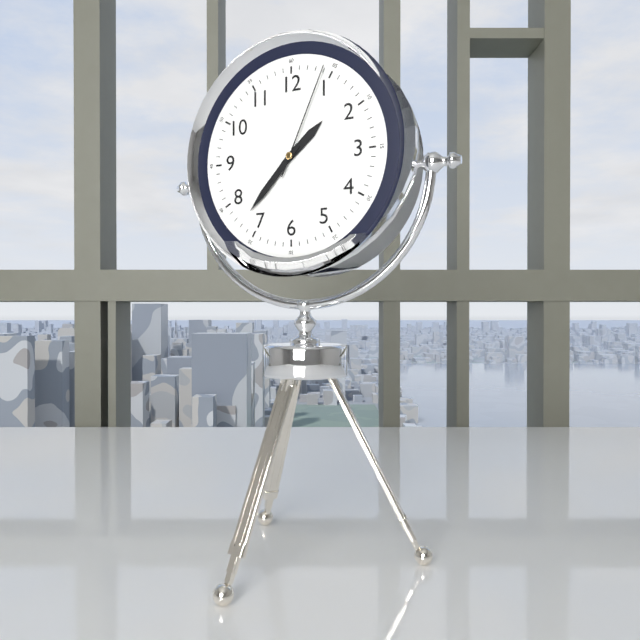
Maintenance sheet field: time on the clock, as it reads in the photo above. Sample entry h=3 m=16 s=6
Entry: h=1 m=37 s=4
